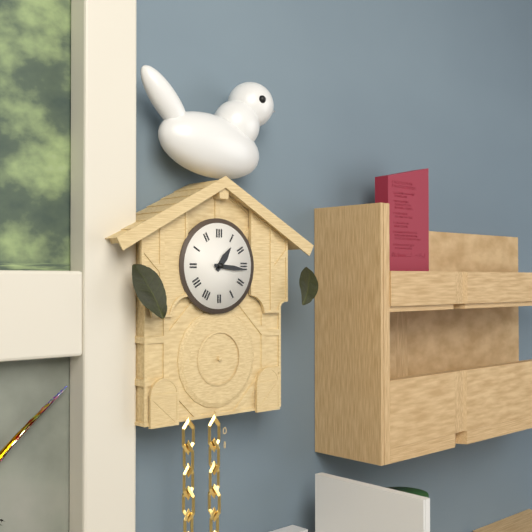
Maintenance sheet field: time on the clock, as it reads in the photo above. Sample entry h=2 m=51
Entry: h=1 m=16
